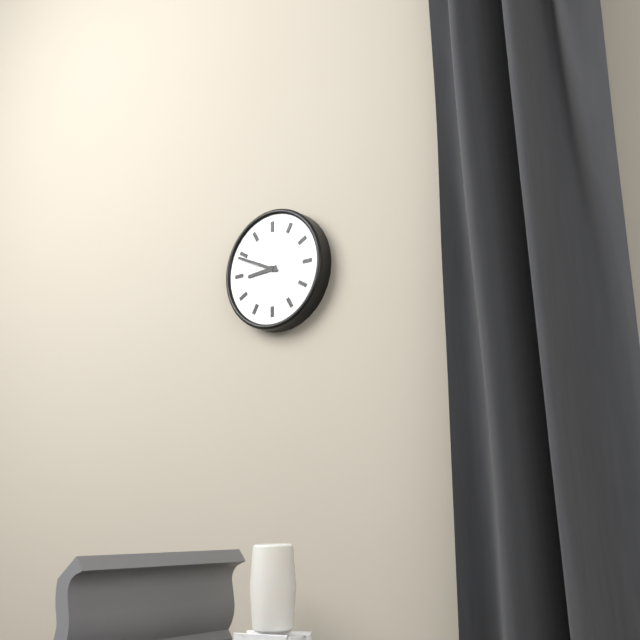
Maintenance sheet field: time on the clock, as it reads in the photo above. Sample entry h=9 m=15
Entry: h=8 m=49
